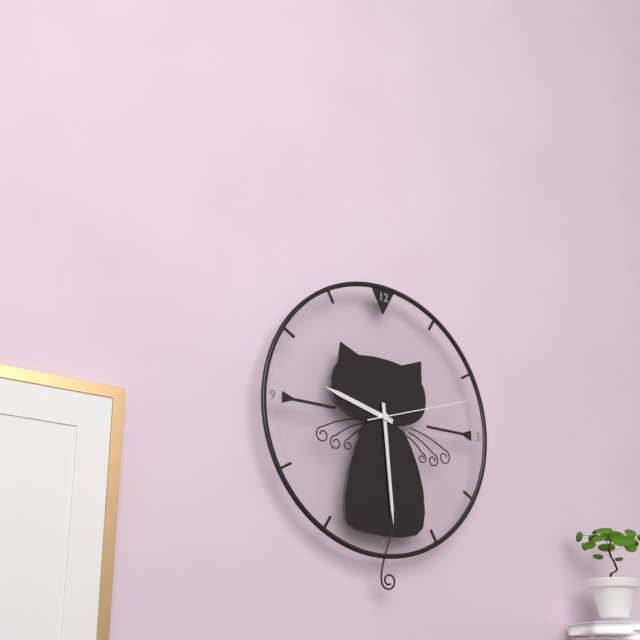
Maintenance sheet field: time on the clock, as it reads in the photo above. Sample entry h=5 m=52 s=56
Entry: h=9 m=29 s=12
